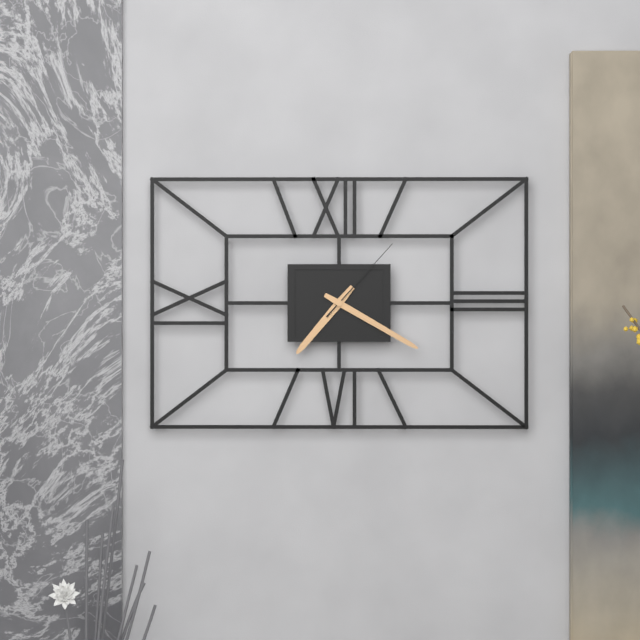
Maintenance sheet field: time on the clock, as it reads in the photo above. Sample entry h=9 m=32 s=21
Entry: h=7 m=20 s=7
